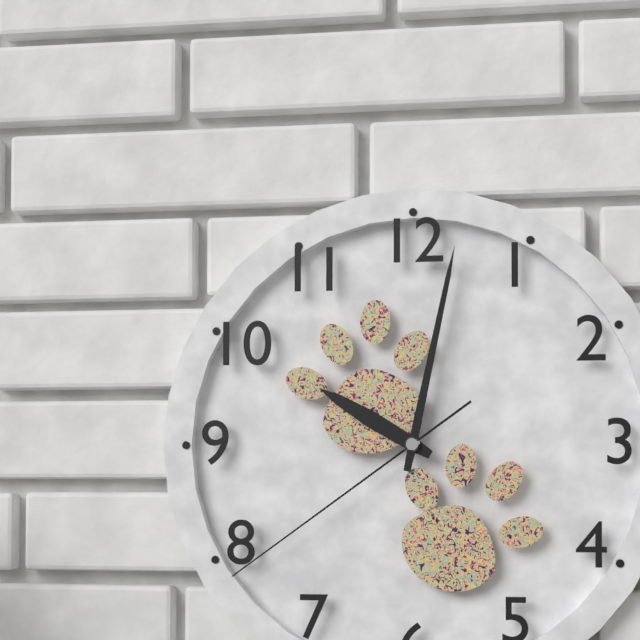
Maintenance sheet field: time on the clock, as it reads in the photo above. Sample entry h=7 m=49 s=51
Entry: h=10 m=2 s=39
